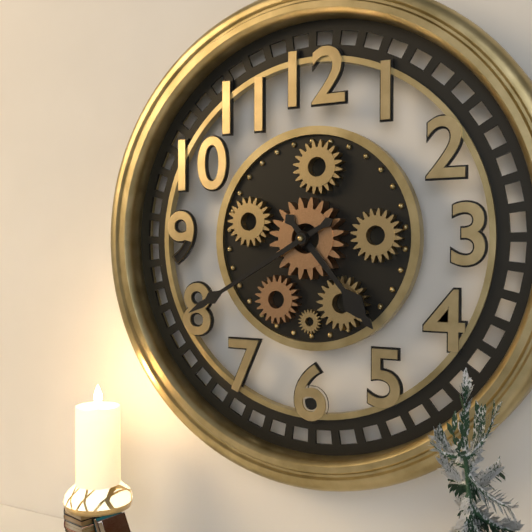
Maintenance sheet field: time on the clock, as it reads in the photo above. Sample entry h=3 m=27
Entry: h=4 m=40
